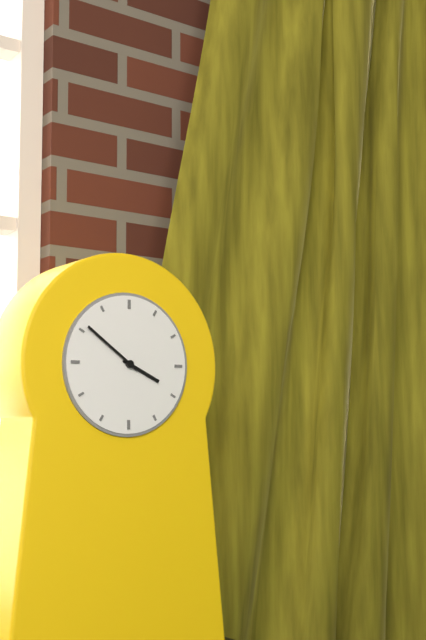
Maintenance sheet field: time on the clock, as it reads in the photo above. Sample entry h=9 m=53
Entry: h=3 m=51
